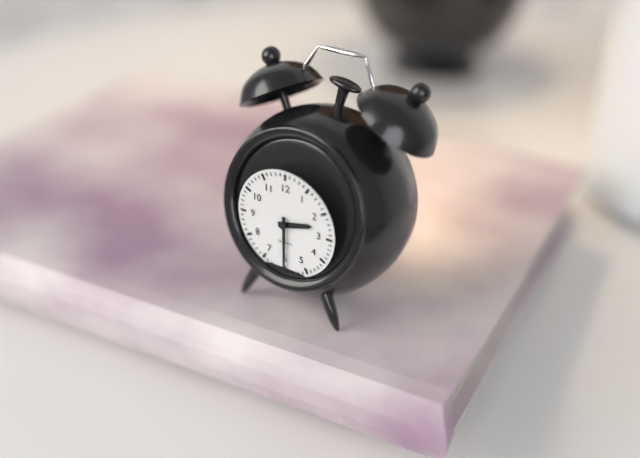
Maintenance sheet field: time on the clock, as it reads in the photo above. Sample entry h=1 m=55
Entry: h=2 m=30
